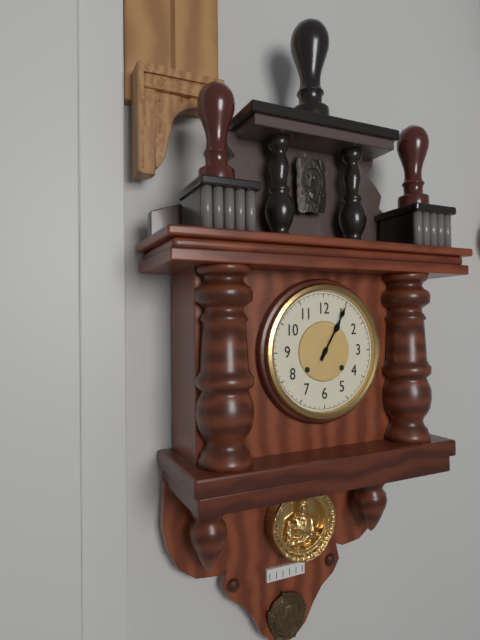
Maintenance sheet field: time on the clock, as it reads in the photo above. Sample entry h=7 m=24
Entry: h=1 m=5
